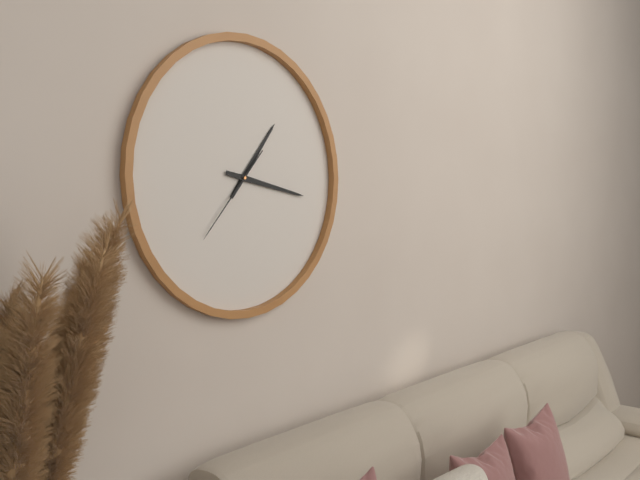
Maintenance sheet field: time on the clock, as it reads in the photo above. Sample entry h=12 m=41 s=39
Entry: h=1 m=17 s=37
